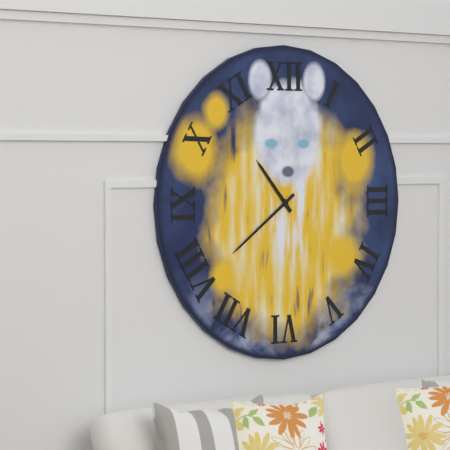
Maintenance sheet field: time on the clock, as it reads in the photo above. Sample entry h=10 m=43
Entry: h=10 m=39
